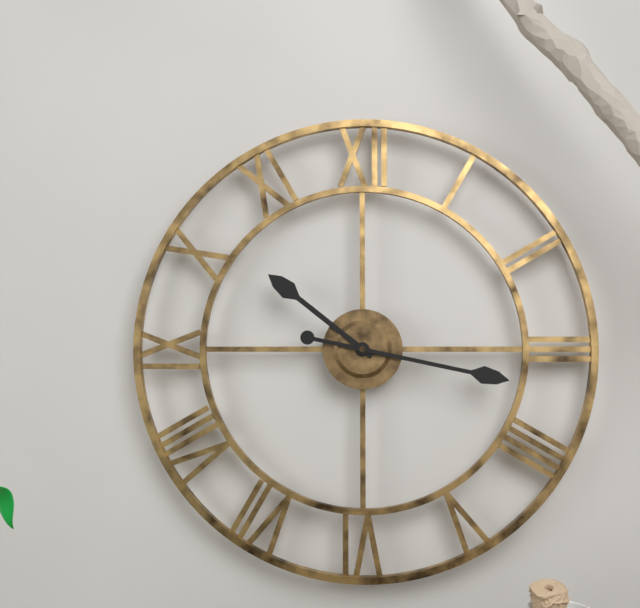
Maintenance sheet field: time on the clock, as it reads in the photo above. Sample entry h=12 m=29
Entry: h=10 m=17
